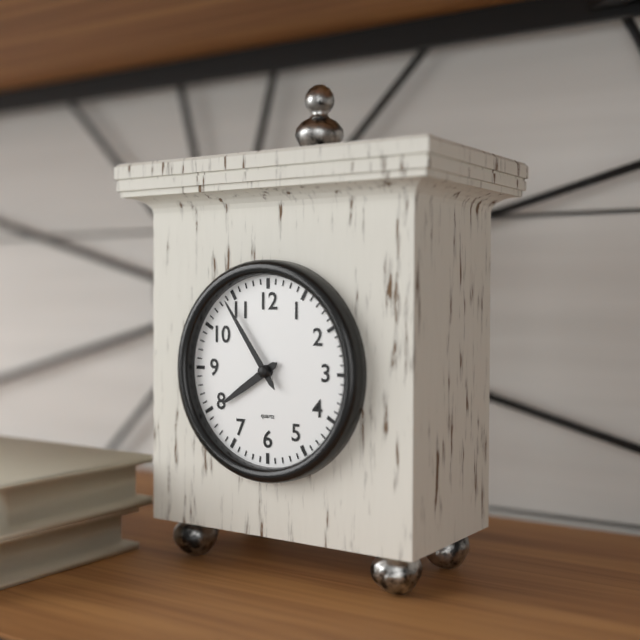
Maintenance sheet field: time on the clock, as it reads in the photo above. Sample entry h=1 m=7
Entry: h=7 m=54
